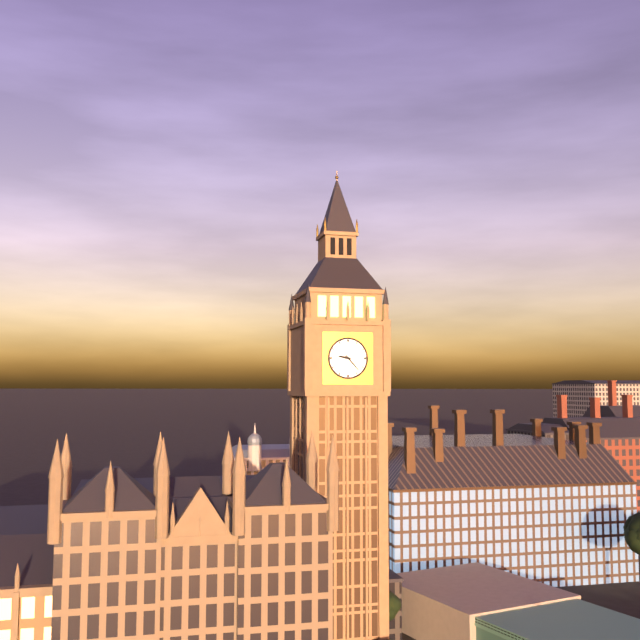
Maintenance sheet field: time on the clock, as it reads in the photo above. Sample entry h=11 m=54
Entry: h=9 m=23
